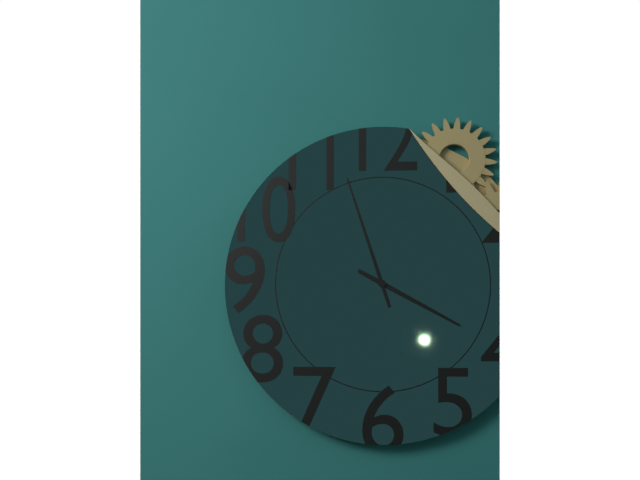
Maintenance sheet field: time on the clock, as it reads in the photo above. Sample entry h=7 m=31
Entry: h=3 m=57
